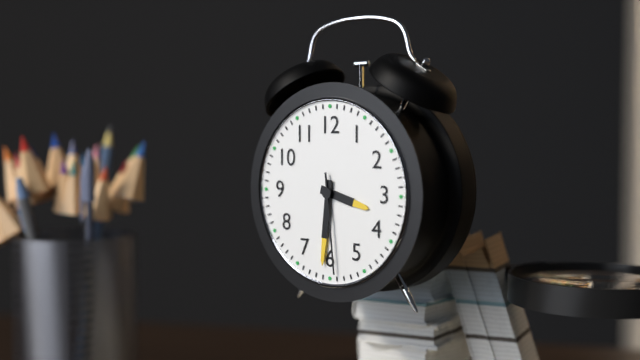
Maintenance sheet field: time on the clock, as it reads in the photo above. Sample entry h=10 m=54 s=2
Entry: h=3 m=31 s=29
